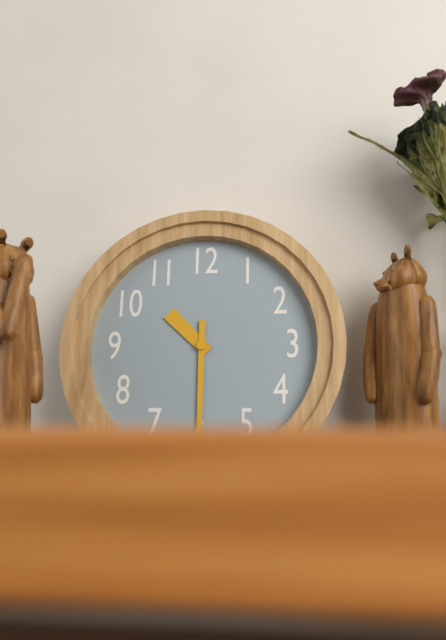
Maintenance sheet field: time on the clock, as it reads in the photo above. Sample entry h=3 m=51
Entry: h=10 m=30
